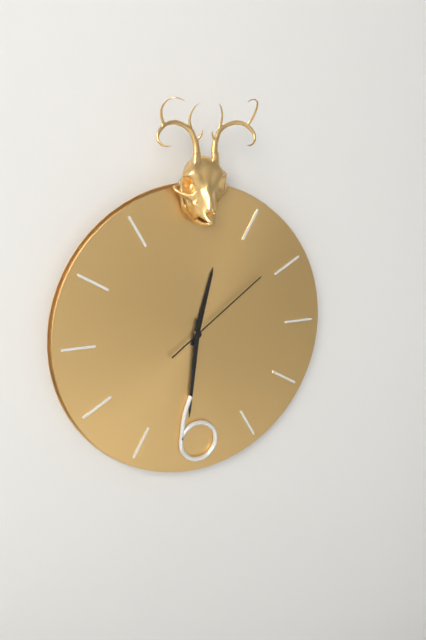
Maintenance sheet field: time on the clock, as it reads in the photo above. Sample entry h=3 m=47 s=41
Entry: h=12 m=31 s=9
